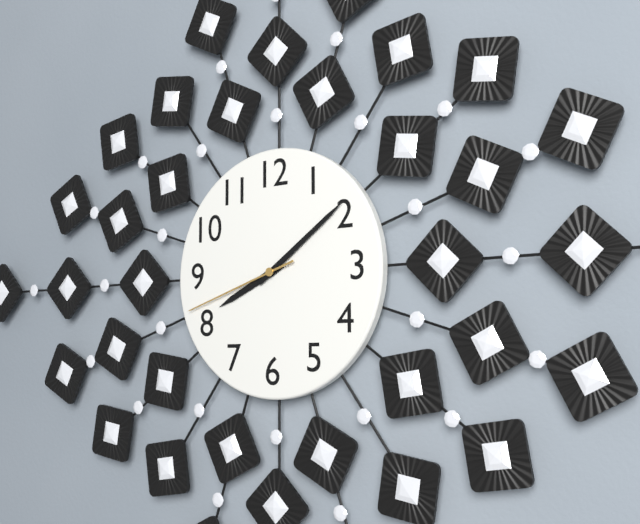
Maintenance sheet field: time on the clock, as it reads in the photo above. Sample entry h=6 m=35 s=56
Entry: h=8 m=9 s=42
